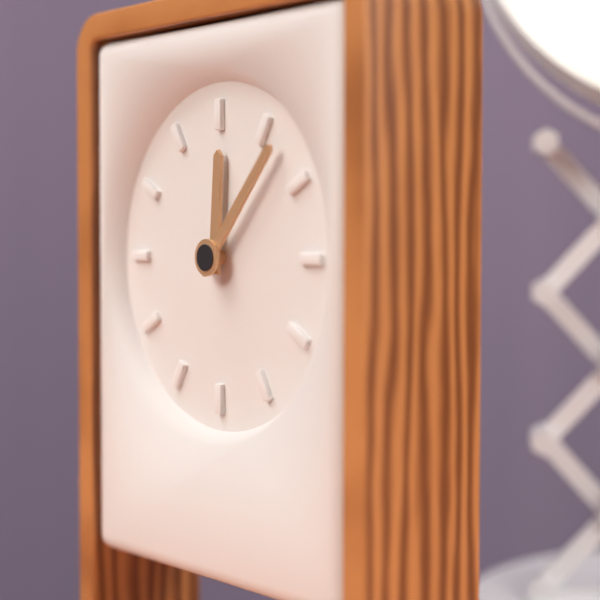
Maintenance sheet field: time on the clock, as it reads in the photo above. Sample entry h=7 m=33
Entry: h=12 m=7
